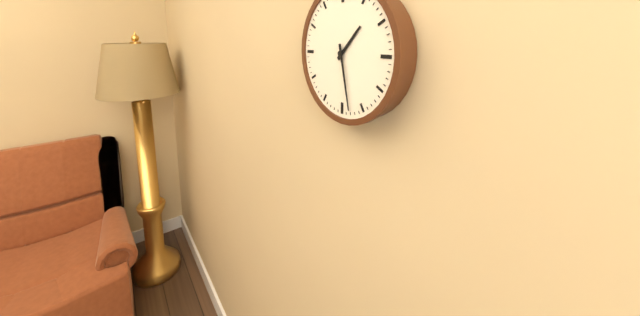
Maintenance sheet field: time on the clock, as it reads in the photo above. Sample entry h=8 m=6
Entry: h=1 m=28
